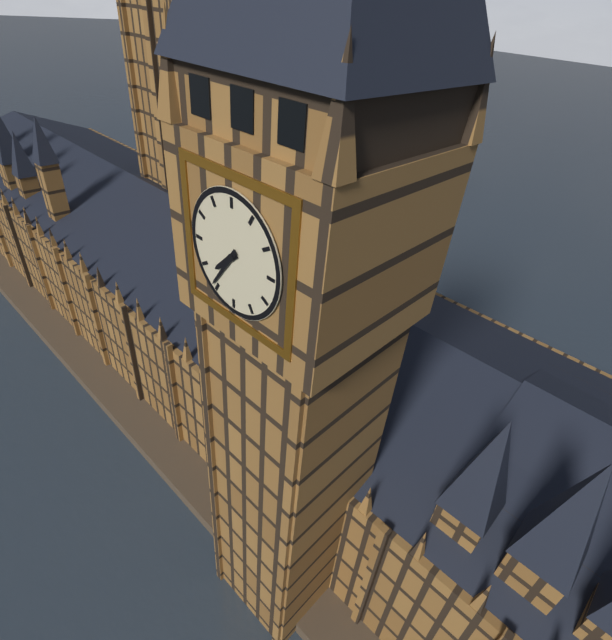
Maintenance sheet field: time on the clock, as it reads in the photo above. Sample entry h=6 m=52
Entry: h=7 m=36
